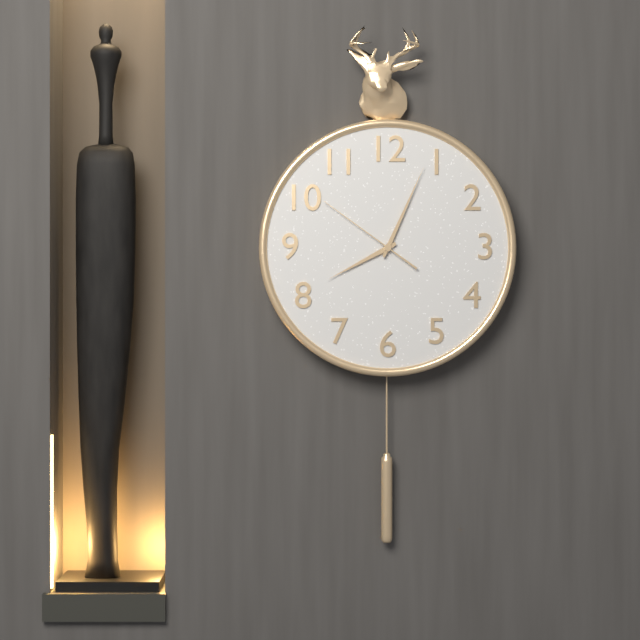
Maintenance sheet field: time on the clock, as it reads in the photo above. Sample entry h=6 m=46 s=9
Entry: h=8 m=4 s=51
